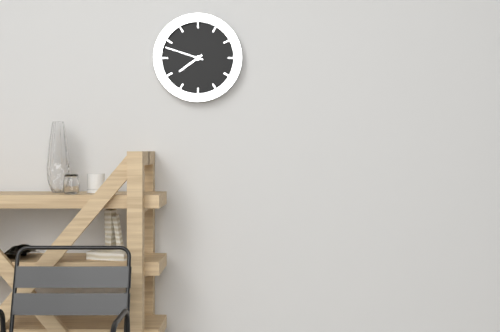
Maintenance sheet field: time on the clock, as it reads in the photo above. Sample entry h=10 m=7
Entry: h=7 m=48
